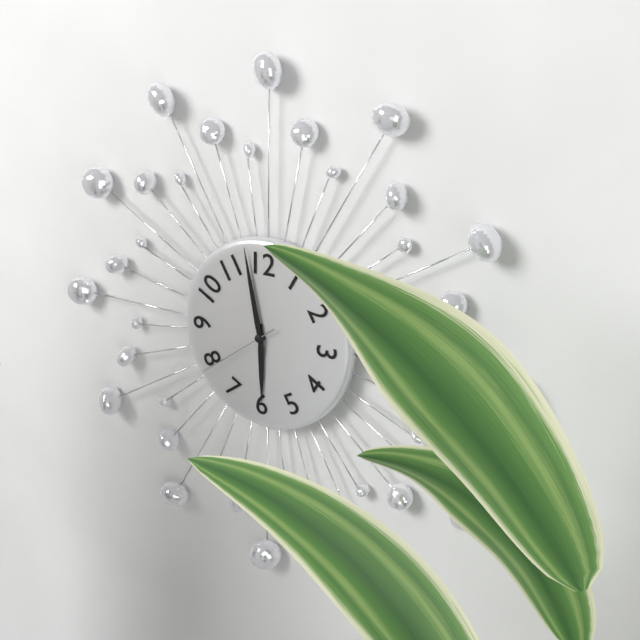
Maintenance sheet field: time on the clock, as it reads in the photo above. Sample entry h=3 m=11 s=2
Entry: h=5 m=58 s=39
